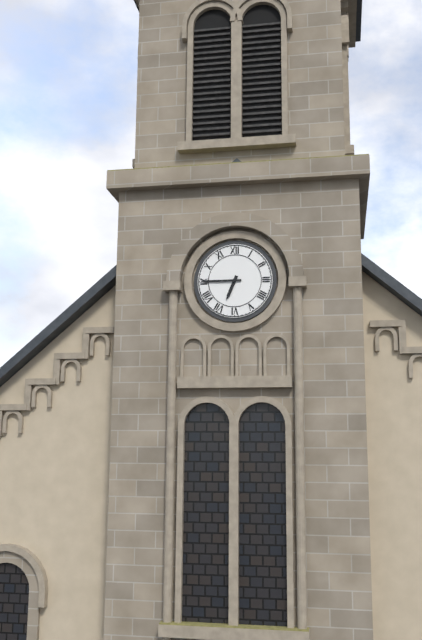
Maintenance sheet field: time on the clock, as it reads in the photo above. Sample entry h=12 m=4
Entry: h=6 m=45
